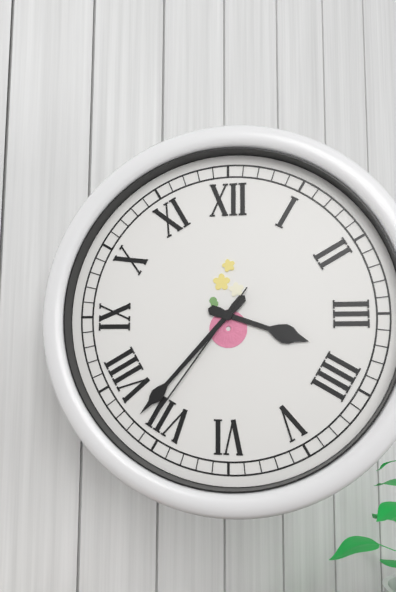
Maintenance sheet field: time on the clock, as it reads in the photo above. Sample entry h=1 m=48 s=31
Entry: h=3 m=37 s=36
